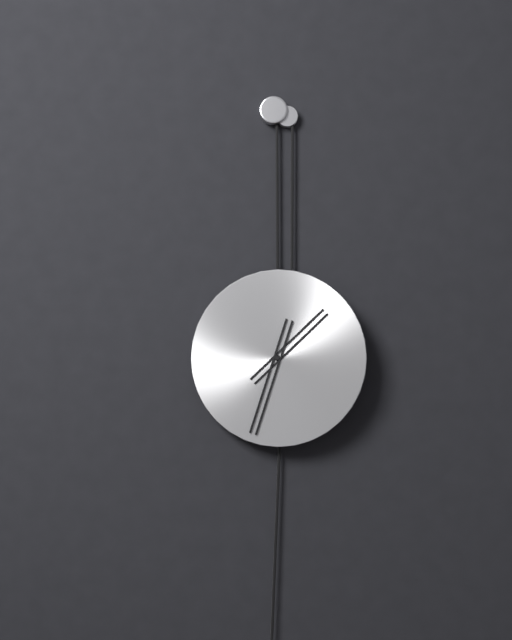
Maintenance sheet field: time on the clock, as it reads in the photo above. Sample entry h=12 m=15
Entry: h=1 m=33
